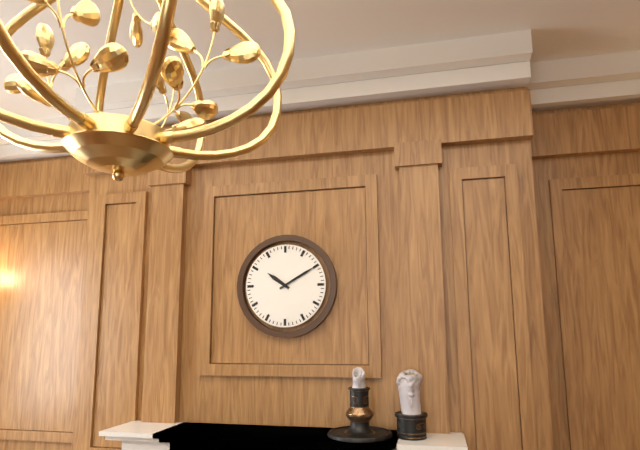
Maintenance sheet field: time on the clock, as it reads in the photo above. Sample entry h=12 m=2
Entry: h=10 m=10
